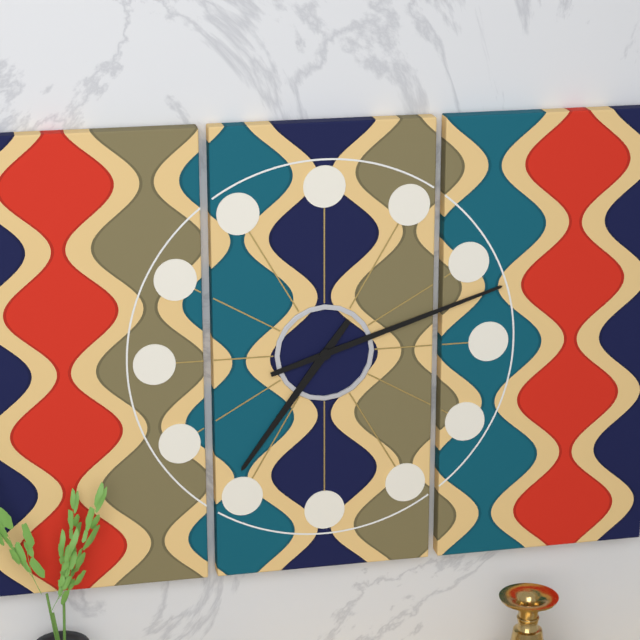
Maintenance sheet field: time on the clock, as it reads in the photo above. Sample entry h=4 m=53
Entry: h=7 m=12
